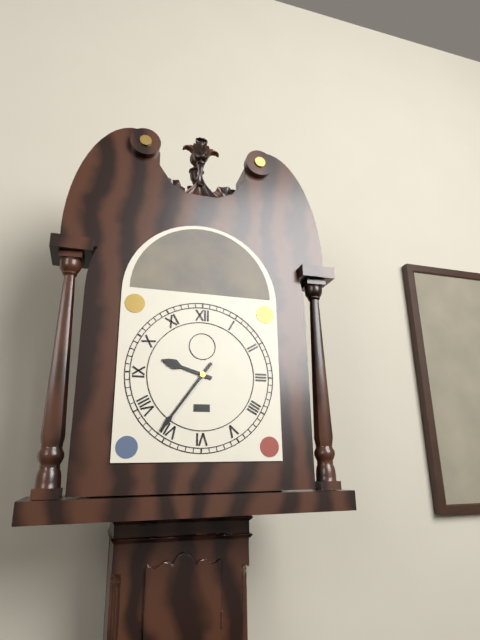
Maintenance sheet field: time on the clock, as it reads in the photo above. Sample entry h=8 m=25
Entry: h=9 m=36
